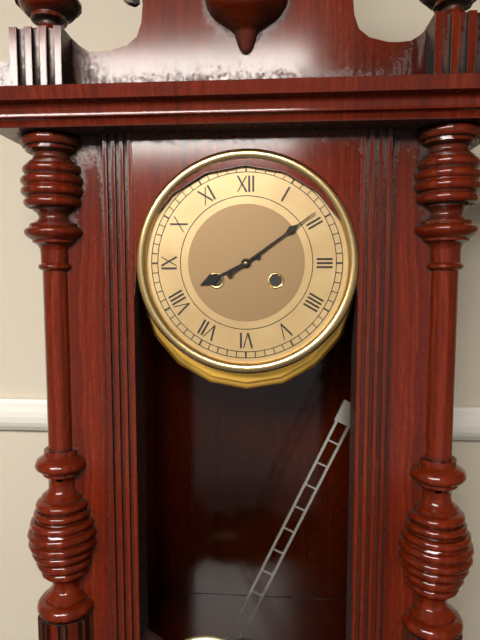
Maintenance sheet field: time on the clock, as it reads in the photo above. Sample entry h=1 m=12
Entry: h=8 m=9
